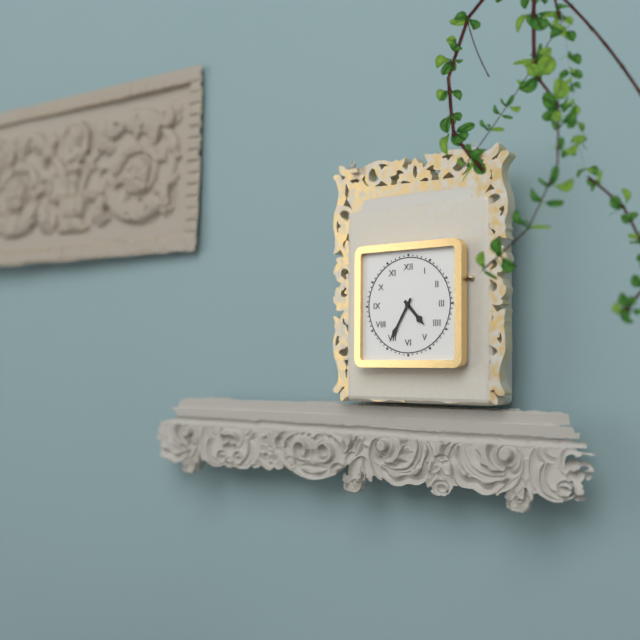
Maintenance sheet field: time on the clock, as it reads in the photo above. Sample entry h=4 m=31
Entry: h=4 m=35
